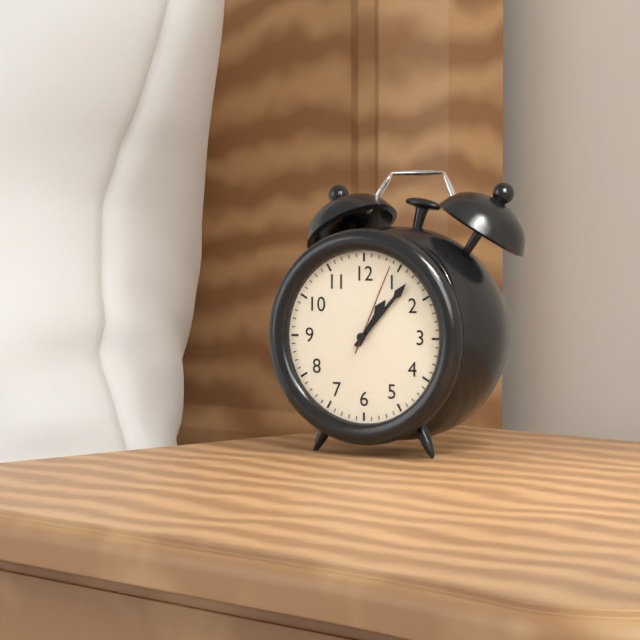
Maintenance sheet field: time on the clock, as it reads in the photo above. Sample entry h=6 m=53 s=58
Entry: h=1 m=7 s=4
